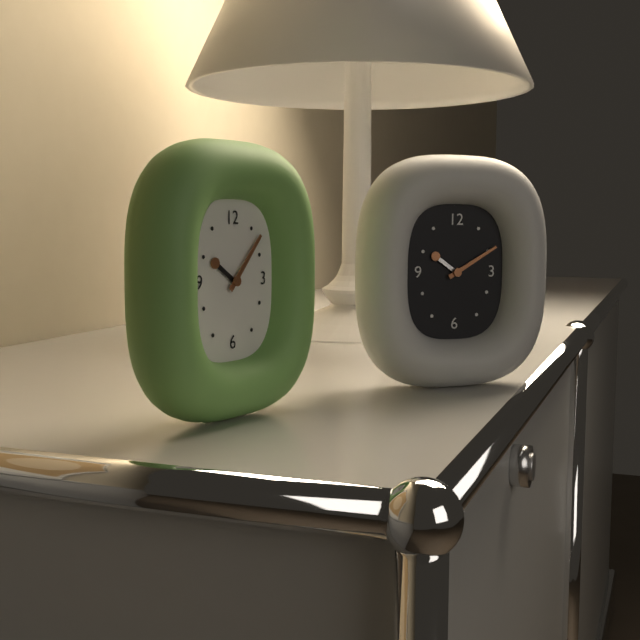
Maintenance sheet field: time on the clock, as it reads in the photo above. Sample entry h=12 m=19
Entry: h=10 m=7
